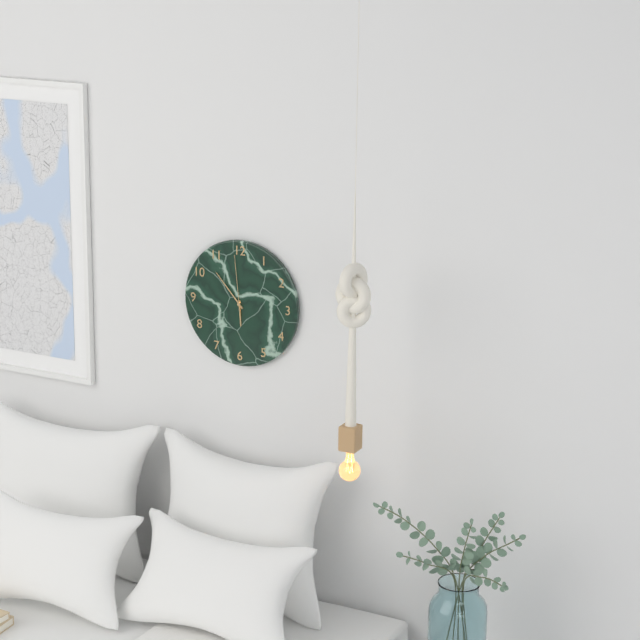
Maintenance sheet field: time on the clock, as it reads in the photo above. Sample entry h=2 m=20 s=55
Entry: h=5 m=53 s=59
